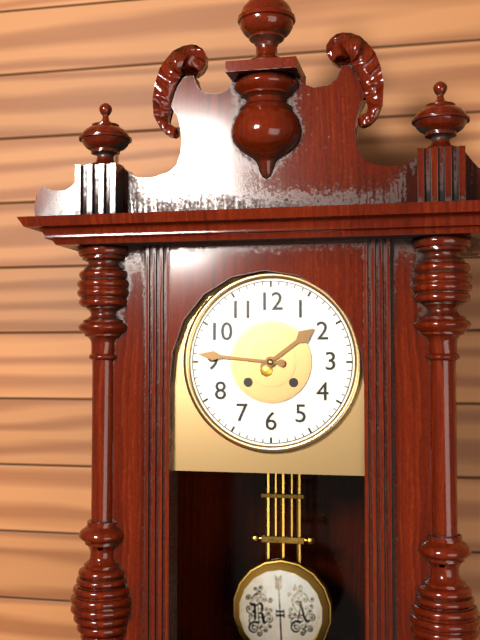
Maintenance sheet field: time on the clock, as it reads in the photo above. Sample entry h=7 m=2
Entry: h=1 m=46
